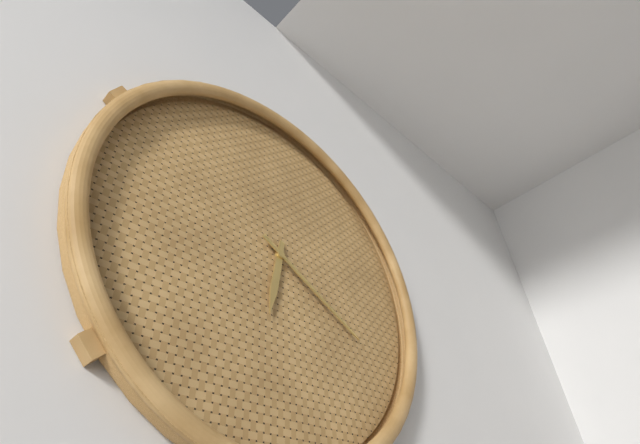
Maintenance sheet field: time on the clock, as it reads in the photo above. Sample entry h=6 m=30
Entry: h=6 m=20
